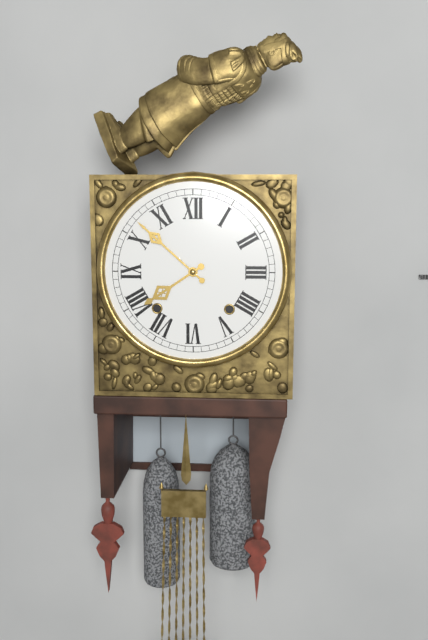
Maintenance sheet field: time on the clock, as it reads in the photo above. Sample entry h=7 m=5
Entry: h=7 m=52
